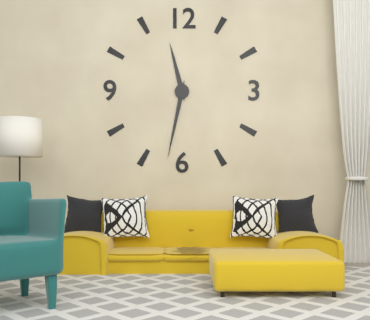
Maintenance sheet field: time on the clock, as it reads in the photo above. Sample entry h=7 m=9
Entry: h=11 m=32
